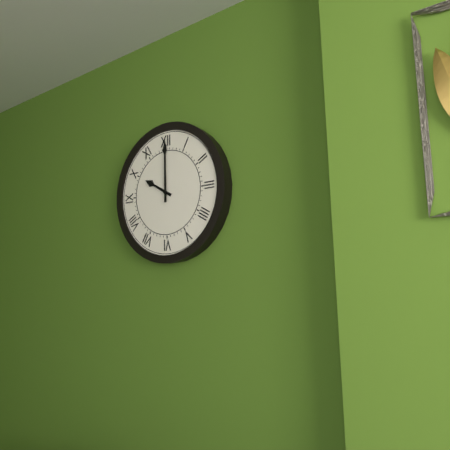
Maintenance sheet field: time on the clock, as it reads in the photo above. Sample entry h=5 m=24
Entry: h=10 m=0
